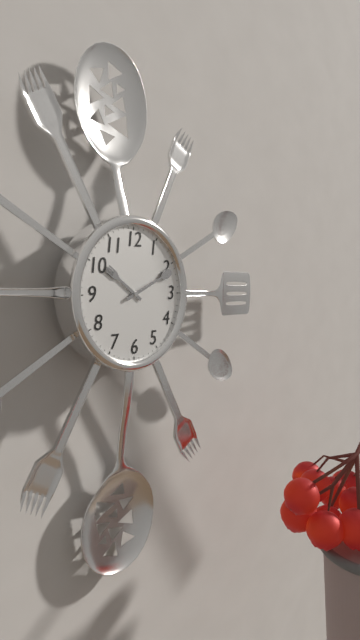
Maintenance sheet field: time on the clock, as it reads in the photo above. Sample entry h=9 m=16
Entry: h=10 m=11
